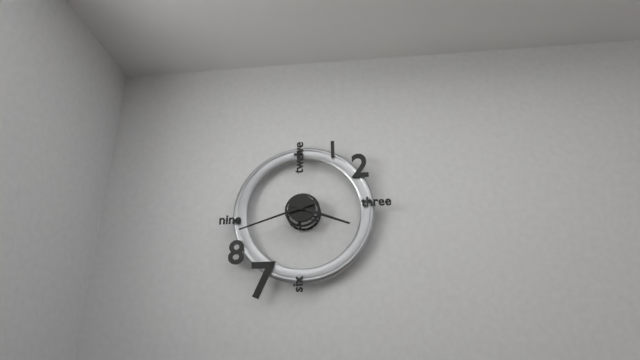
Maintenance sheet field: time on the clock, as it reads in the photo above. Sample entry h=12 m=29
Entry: h=3 m=42
